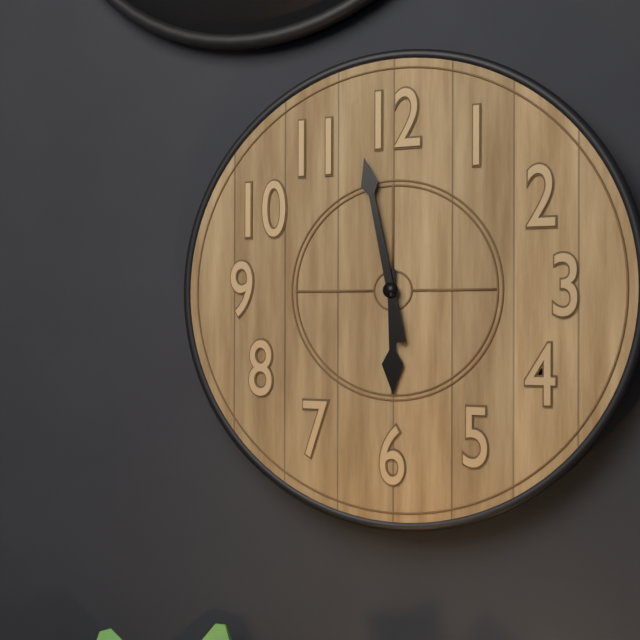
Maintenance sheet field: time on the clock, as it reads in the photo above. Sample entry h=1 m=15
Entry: h=5 m=58
